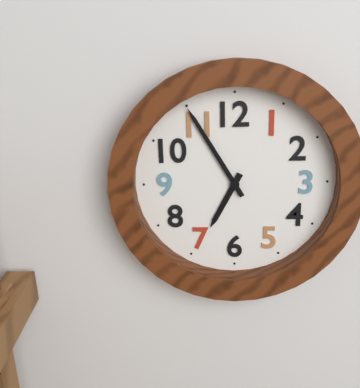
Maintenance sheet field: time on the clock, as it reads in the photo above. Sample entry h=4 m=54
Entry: h=6 m=55
